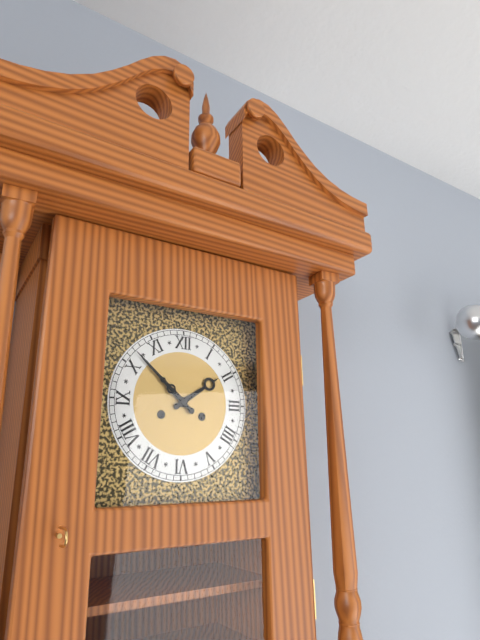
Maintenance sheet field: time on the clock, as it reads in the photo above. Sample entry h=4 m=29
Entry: h=1 m=52
